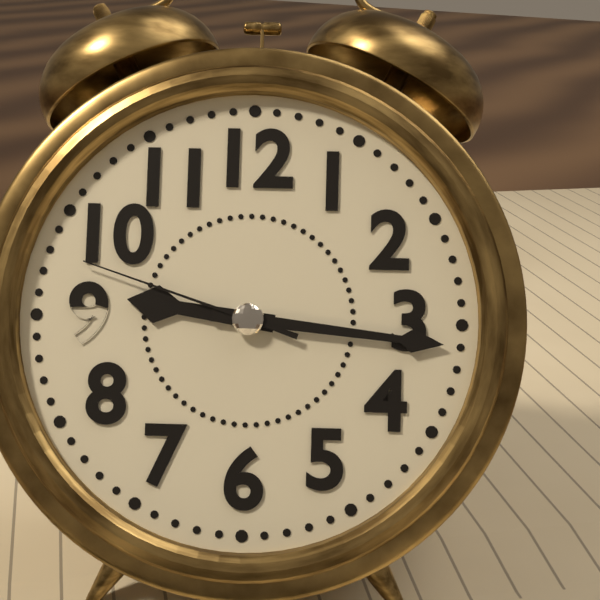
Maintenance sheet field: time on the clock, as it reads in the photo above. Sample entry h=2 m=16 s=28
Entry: h=9 m=16 s=48
